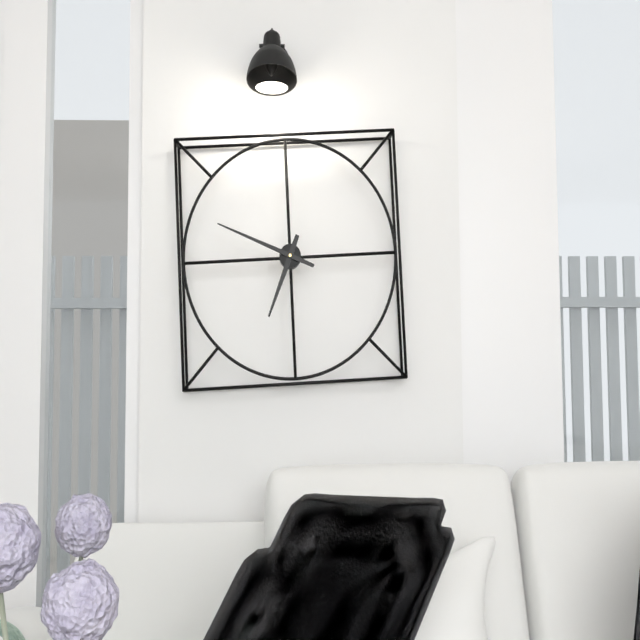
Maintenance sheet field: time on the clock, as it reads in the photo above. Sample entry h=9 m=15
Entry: h=6 m=49
